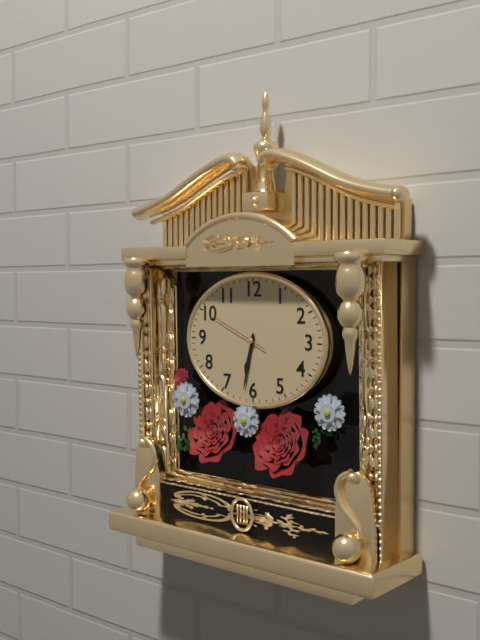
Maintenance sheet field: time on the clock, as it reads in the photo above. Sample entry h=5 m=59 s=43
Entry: h=6 m=32 s=49
